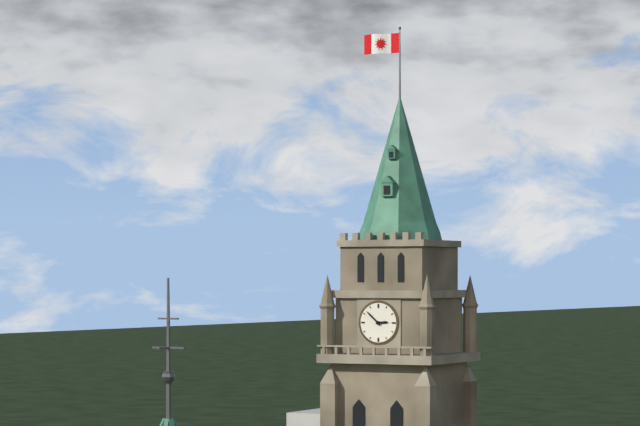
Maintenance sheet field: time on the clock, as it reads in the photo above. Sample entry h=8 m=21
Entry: h=2 m=52
